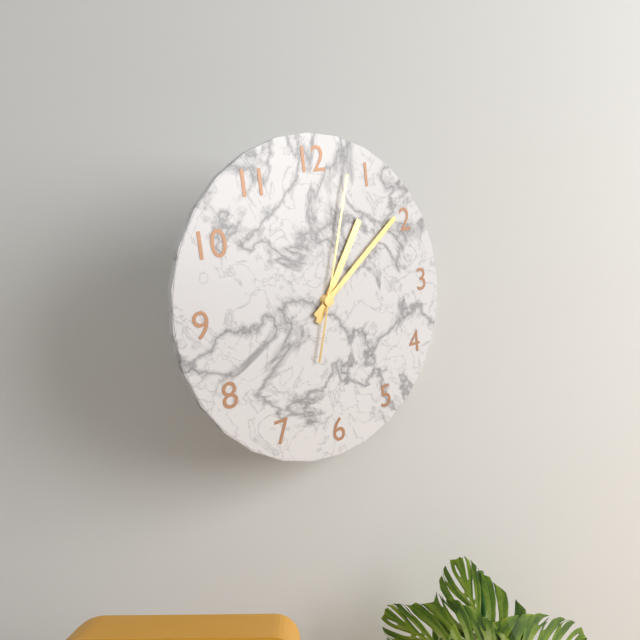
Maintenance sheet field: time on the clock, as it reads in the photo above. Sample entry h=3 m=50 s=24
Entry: h=1 m=9 s=3
